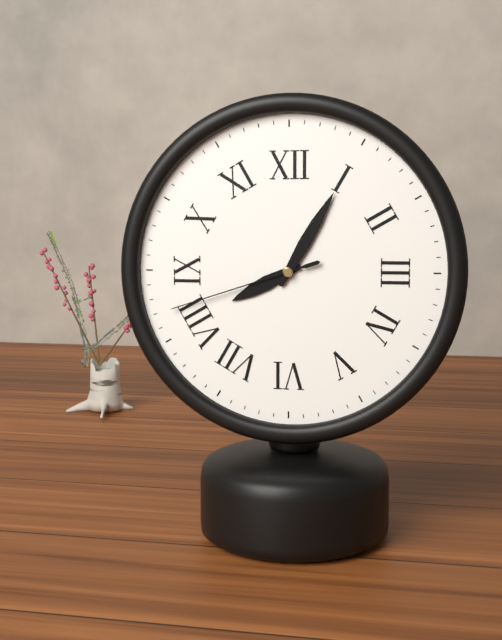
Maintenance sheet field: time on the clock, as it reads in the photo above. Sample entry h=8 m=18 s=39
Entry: h=8 m=5 s=42
